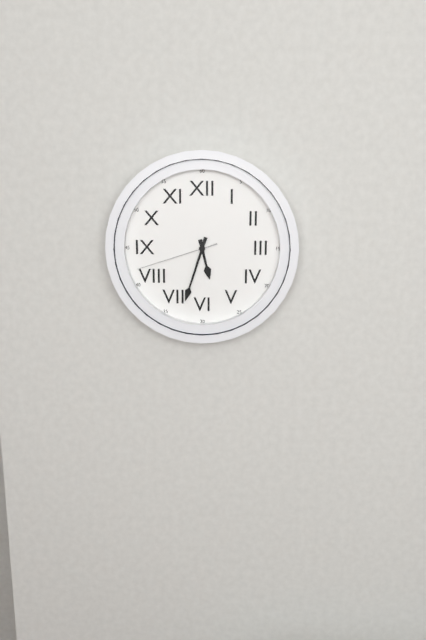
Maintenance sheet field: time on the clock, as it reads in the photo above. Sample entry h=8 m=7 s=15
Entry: h=5 m=33 s=42
